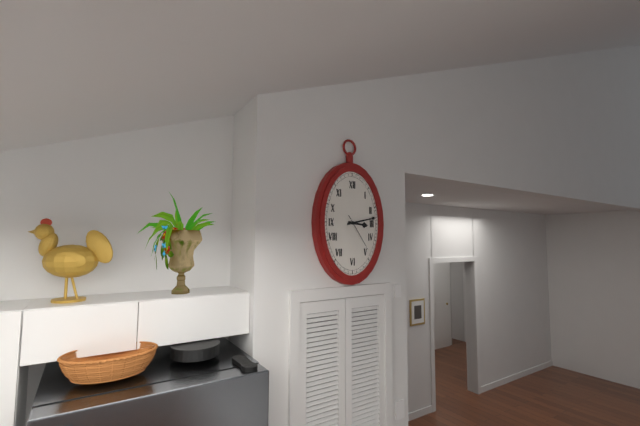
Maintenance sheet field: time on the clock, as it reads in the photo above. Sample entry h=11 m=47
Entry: h=3 m=13
